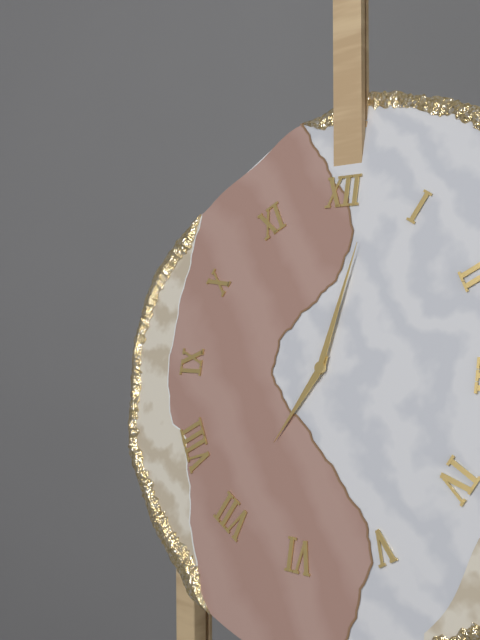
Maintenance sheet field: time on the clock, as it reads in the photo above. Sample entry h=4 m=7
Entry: h=7 m=2
